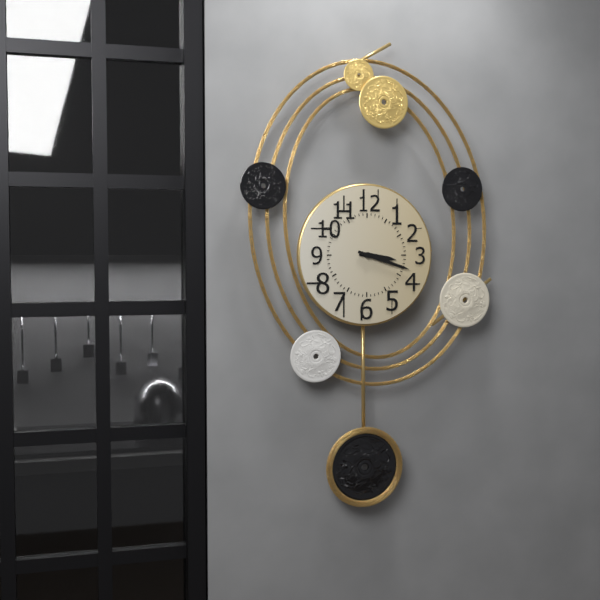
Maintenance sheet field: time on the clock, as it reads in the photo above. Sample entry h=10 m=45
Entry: h=3 m=18
